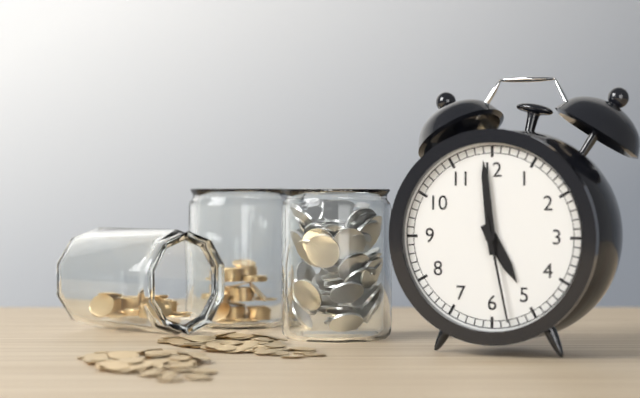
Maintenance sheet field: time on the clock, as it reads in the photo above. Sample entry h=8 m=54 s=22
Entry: h=4 m=59 s=28
